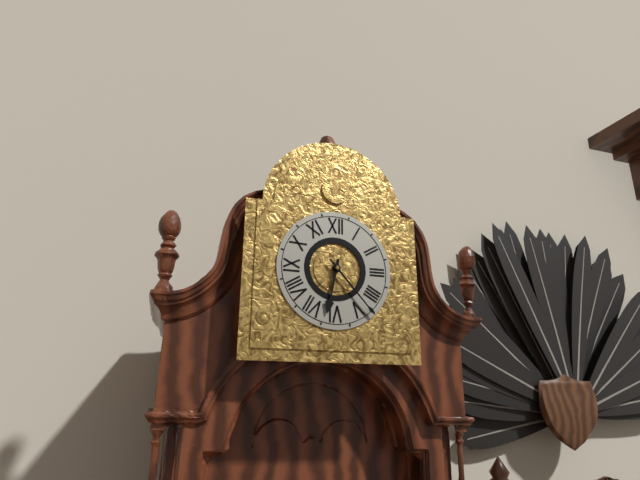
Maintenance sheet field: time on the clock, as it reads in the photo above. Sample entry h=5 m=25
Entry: h=6 m=23
